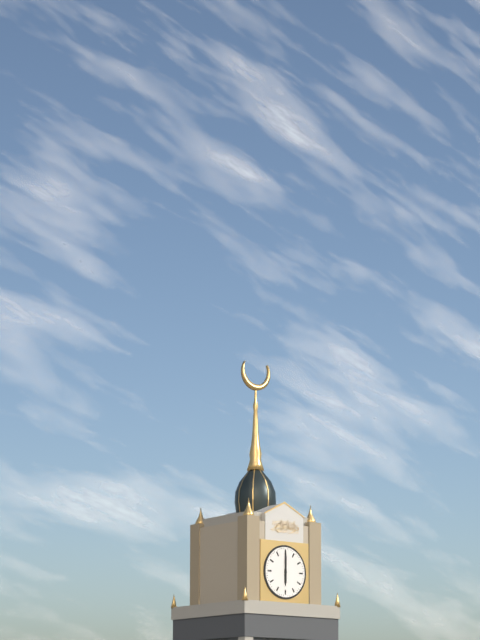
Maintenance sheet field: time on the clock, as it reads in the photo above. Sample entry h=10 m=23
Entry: h=6 m=0
